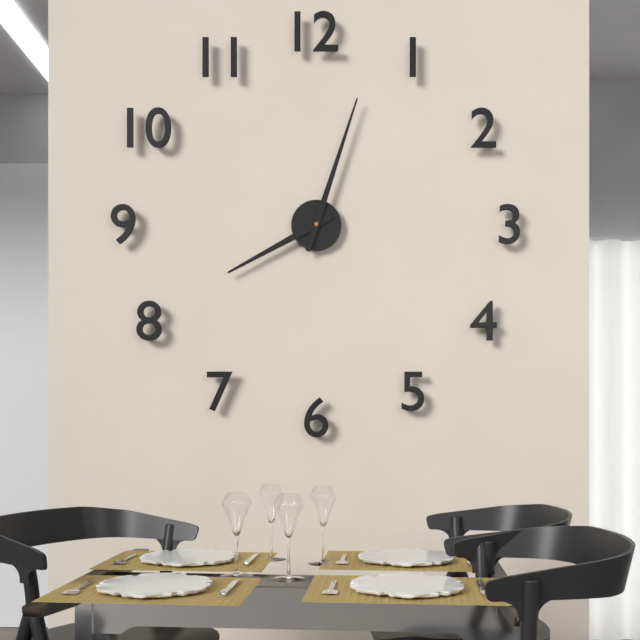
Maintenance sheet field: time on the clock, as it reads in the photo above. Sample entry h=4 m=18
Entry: h=8 m=3
